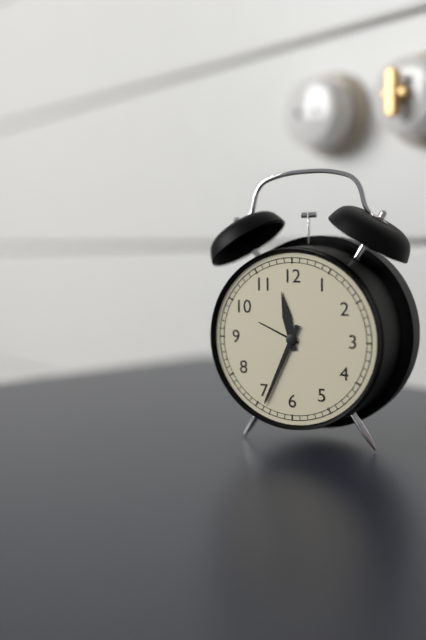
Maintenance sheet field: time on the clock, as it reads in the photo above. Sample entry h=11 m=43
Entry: h=11 m=34
